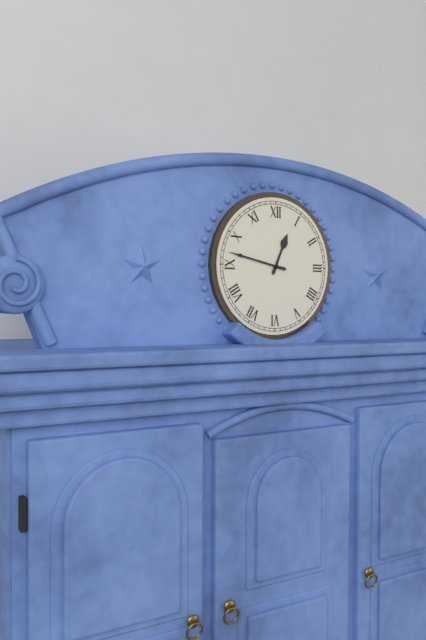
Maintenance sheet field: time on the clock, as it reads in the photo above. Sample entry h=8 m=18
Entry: h=12 m=47
